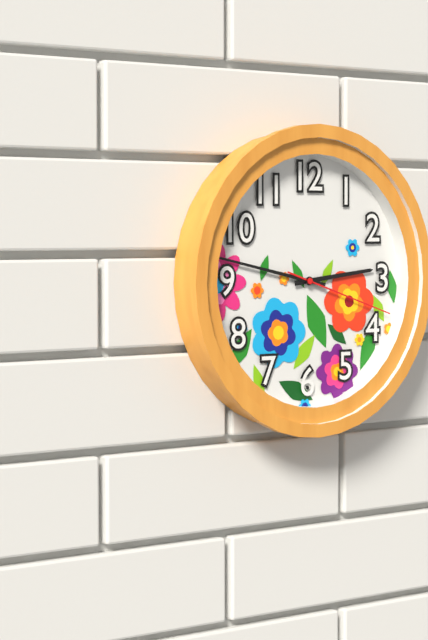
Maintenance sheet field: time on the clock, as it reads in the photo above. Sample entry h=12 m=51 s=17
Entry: h=2 m=47 s=18
